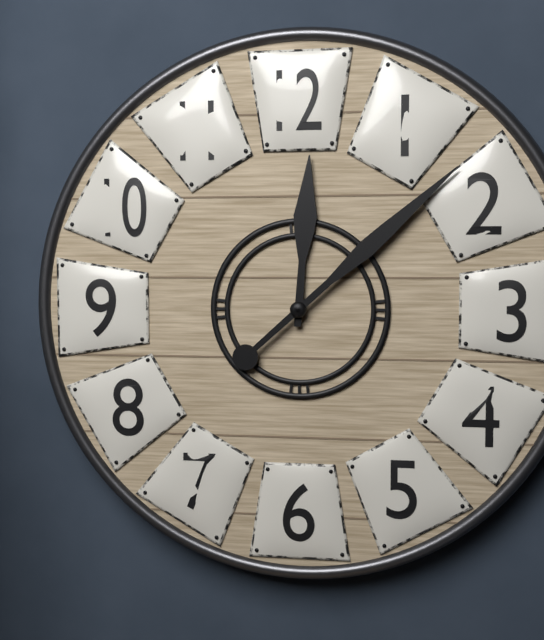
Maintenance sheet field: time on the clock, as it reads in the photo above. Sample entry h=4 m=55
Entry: h=12 m=8
